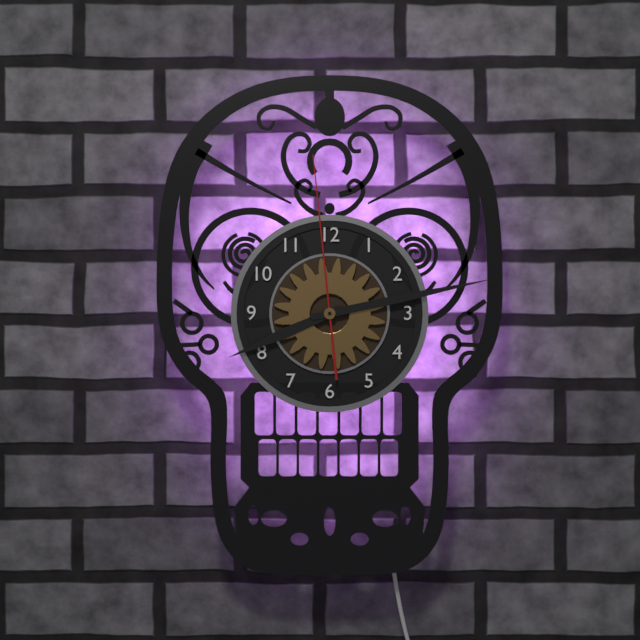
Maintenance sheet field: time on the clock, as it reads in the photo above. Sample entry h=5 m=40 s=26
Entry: h=8 m=13 s=59
